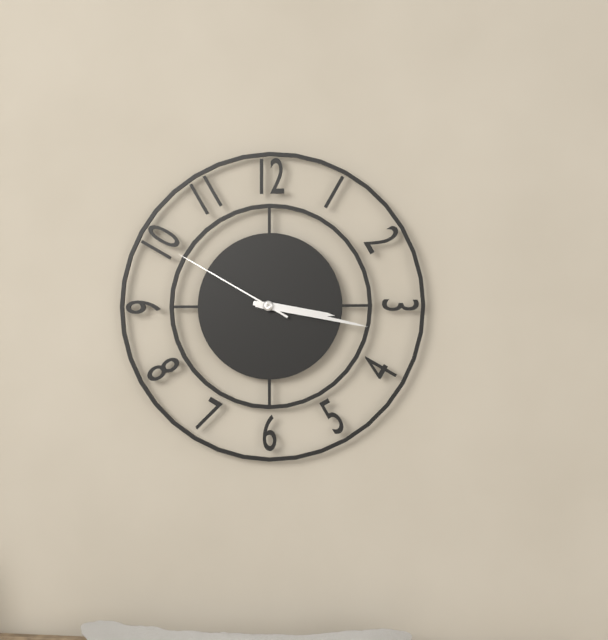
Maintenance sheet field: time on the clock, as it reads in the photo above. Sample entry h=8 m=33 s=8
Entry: h=3 m=17 s=50
